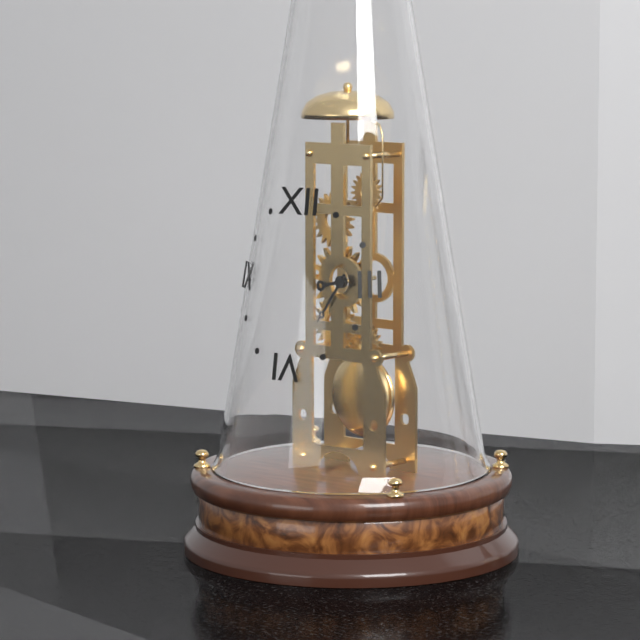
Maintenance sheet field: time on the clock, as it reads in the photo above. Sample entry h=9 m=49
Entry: h=8 m=36
